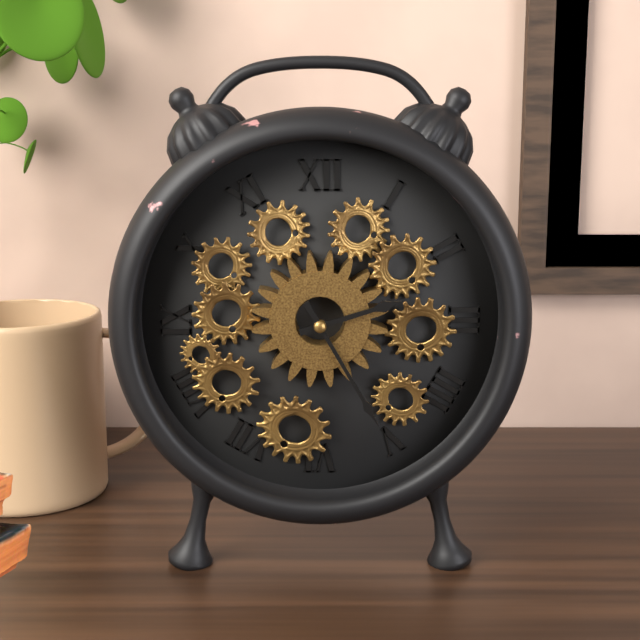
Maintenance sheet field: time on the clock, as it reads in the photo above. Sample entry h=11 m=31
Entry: h=2 m=25
